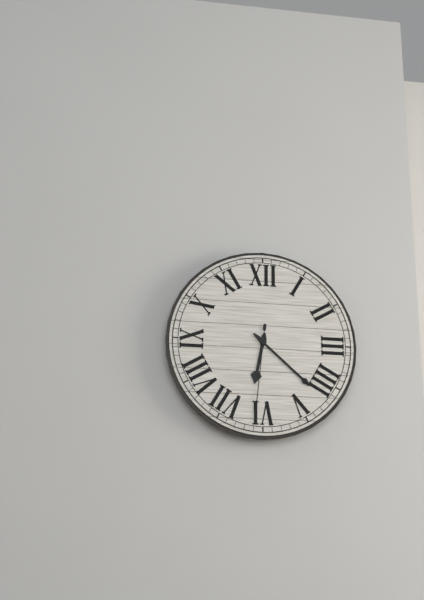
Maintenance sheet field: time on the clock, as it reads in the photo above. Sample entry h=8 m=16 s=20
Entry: h=6 m=22 s=31
